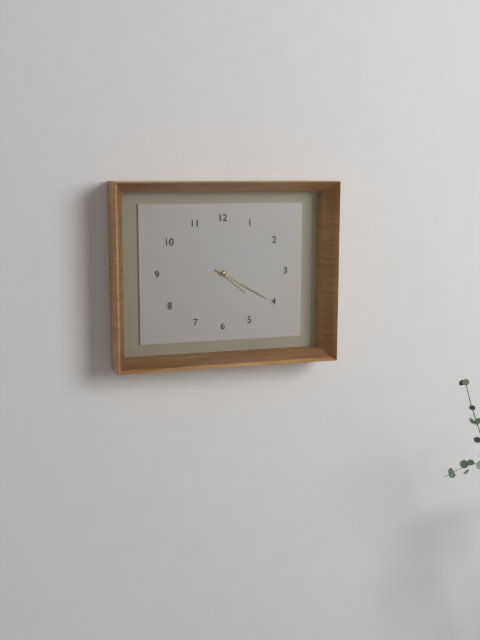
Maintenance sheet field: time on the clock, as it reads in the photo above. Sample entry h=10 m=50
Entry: h=4 m=20
